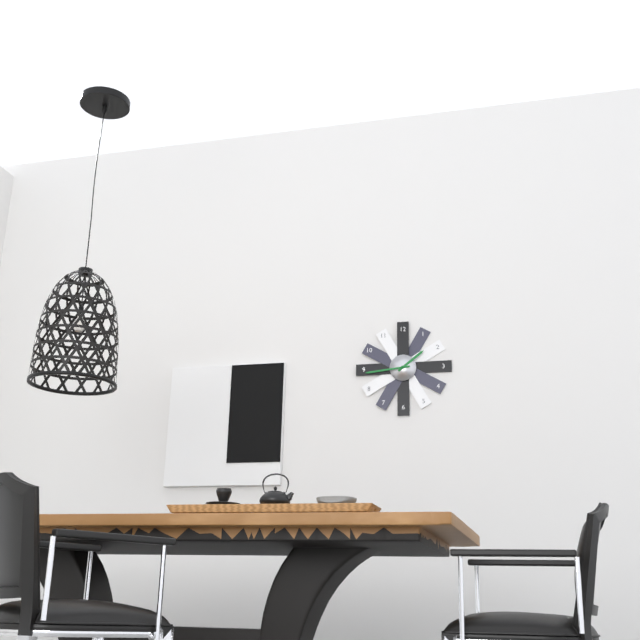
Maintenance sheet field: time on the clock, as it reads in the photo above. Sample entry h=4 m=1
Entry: h=1 m=44
